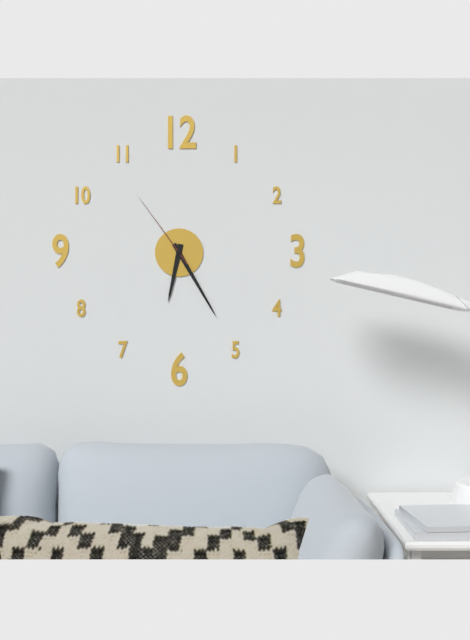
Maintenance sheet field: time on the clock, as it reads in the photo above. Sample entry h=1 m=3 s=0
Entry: h=6 m=25 s=54
